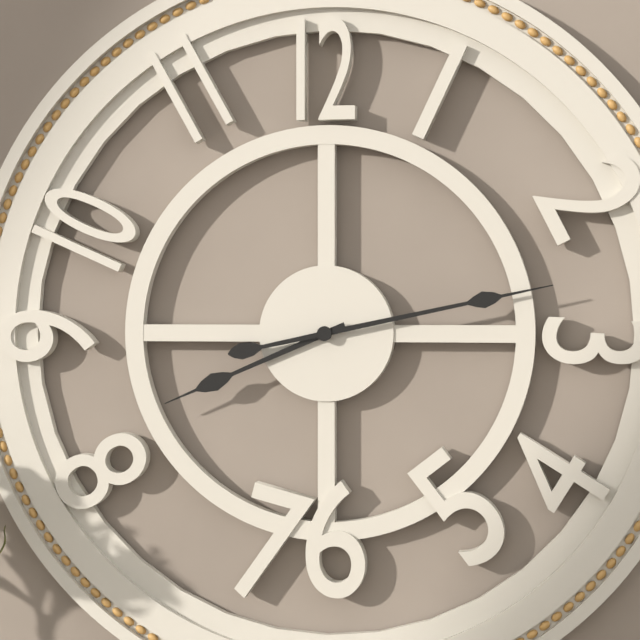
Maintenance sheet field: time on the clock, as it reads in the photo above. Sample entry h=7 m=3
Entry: h=8 m=13
